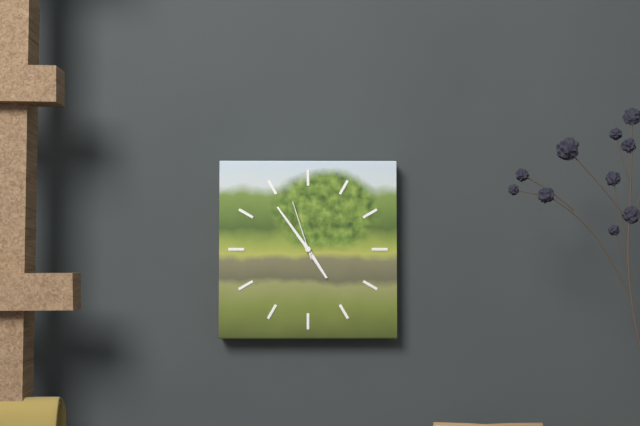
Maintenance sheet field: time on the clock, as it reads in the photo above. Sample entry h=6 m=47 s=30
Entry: h=4 m=54 s=57
